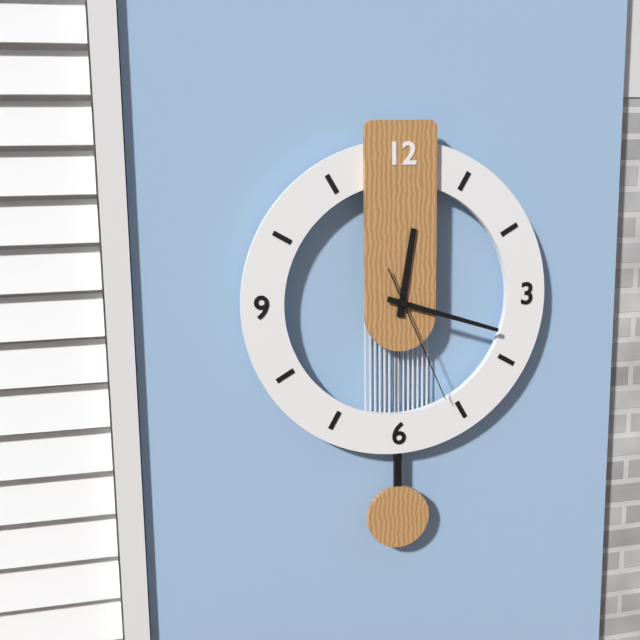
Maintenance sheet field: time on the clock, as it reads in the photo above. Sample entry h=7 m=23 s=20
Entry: h=12 m=18 s=26
